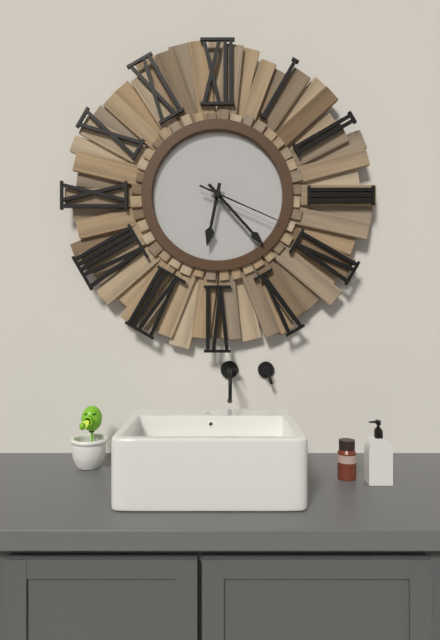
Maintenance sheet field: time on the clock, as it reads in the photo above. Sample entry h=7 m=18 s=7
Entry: h=6 m=23 s=19
